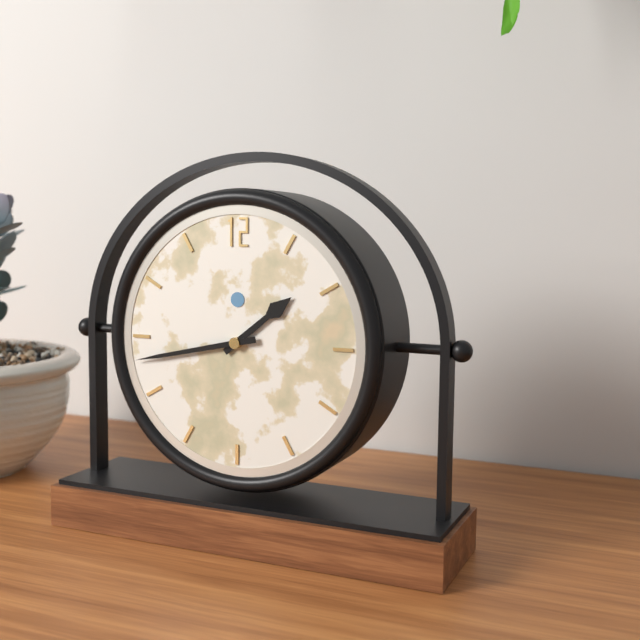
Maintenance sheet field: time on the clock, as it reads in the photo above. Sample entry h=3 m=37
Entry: h=1 m=43
